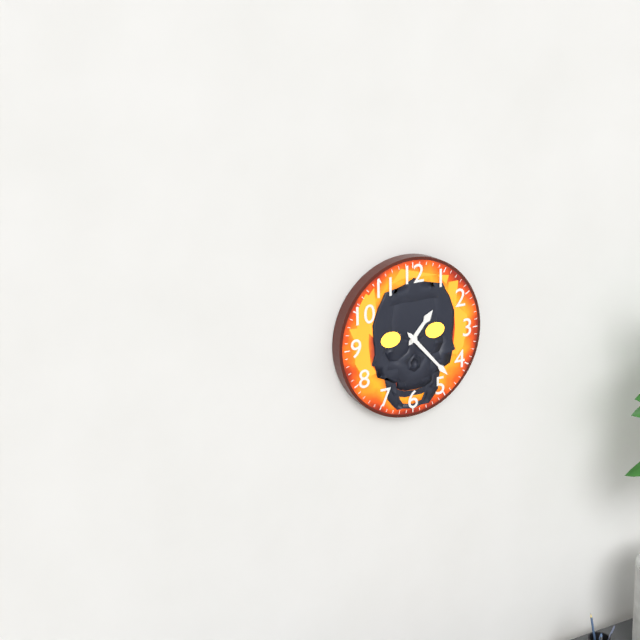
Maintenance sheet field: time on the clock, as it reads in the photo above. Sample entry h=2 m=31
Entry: h=1 m=23
